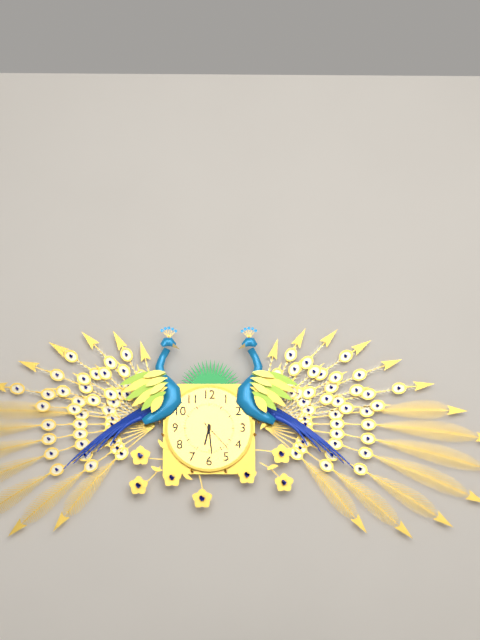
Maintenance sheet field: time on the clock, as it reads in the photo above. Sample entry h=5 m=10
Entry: h=6 m=29
